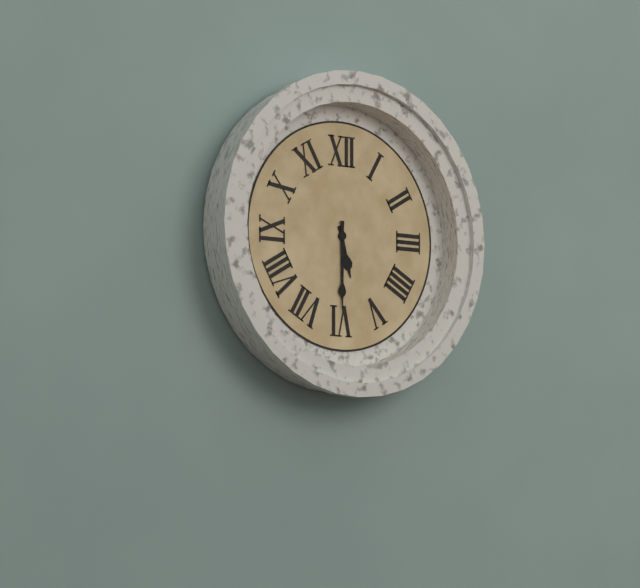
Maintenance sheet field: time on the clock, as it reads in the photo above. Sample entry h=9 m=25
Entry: h=5 m=30
